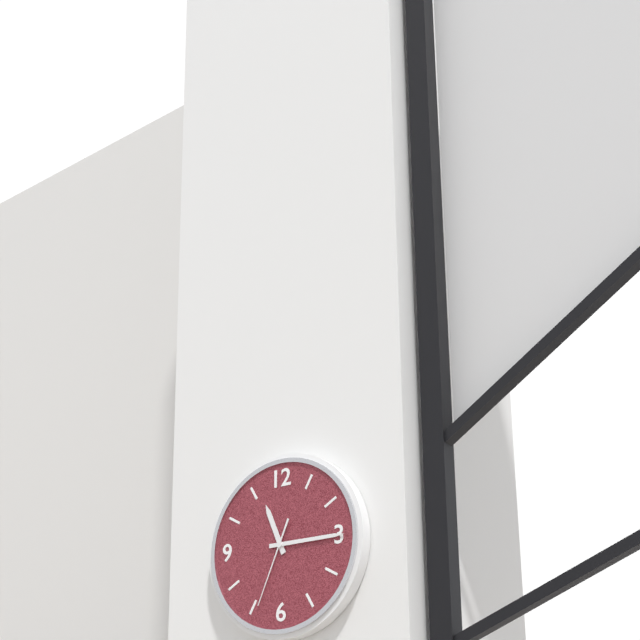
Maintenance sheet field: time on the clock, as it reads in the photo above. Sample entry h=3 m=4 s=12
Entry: h=11 m=15 s=34
